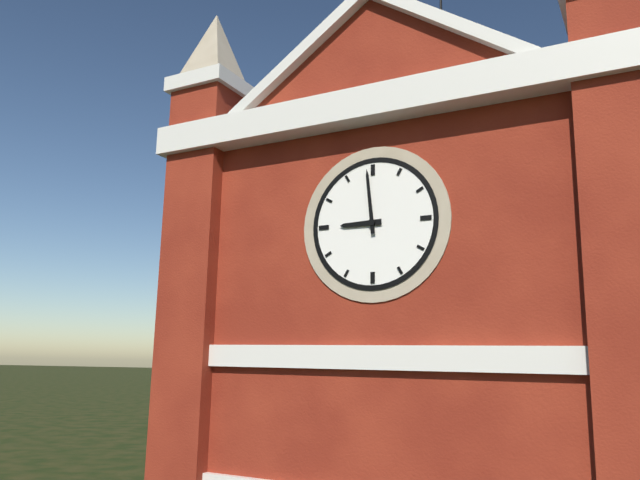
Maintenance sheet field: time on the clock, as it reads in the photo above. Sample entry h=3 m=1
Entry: h=8 m=59
